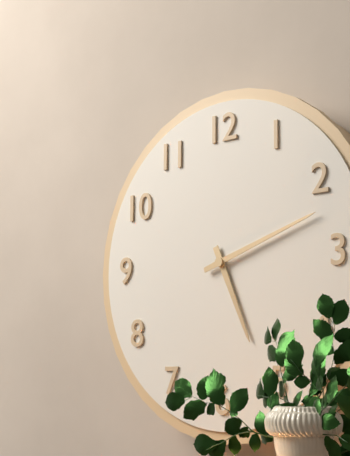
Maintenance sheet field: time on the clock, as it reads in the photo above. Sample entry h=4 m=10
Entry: h=5 m=12
